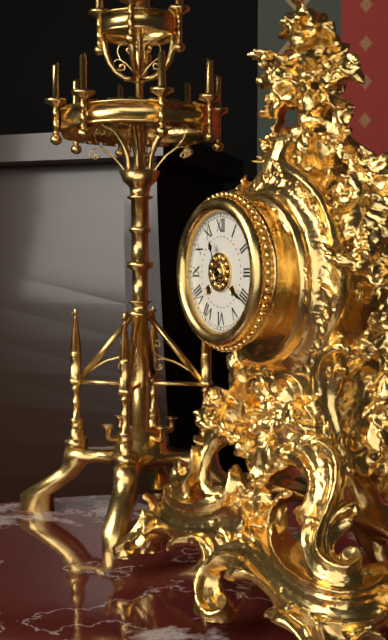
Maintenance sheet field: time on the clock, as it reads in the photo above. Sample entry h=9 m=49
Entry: h=11 m=20
